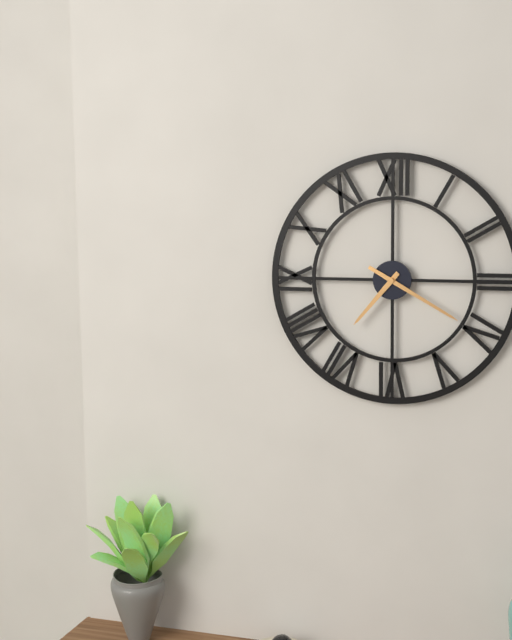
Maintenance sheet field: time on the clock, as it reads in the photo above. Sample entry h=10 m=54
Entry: h=7 m=20
